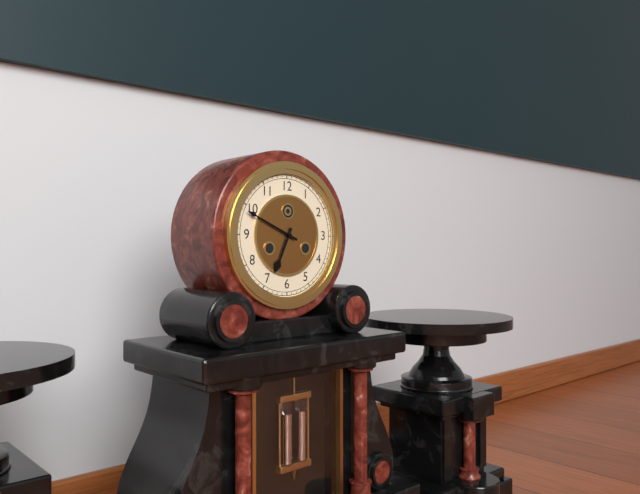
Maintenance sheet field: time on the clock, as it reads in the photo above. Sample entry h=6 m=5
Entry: h=6 m=49
